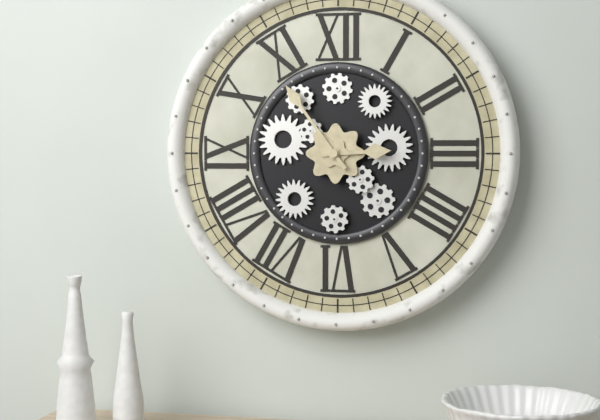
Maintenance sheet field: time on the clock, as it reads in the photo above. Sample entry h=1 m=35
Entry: h=2 m=54
